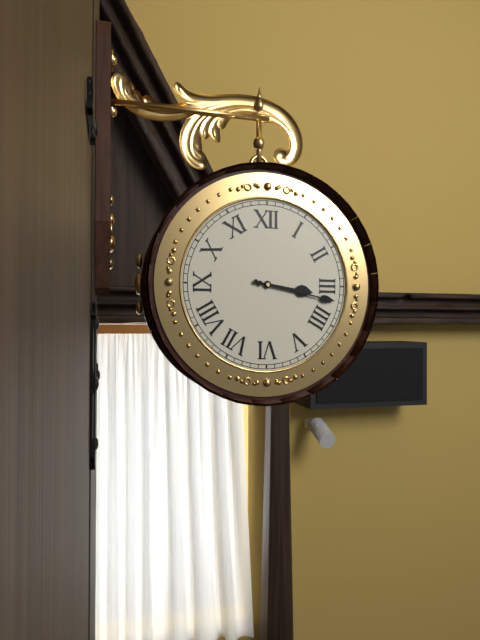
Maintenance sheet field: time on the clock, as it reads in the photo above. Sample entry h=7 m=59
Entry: h=3 m=17
